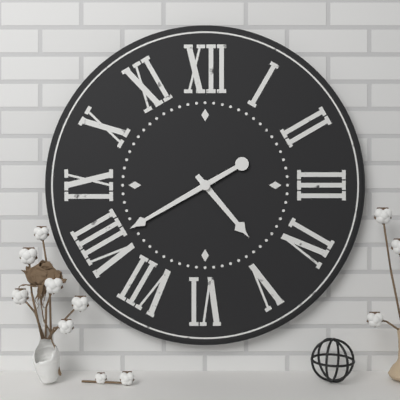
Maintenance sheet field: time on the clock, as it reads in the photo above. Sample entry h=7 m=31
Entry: h=4 m=40
